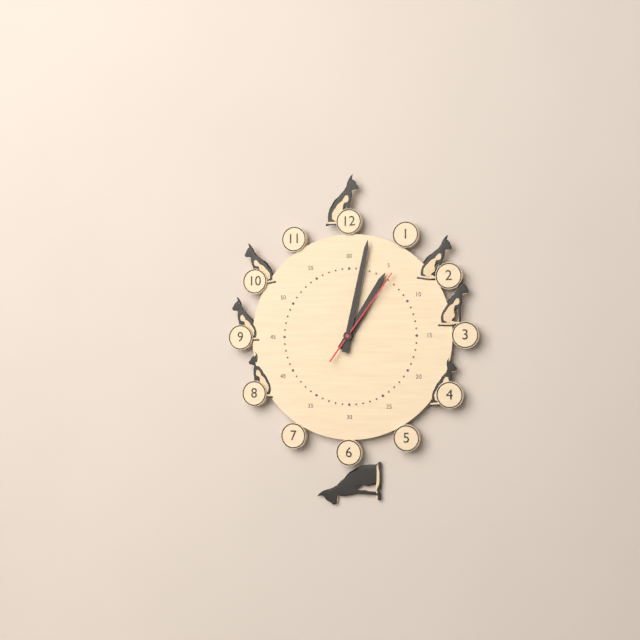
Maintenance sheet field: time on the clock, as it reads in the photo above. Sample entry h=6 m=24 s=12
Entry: h=1 m=2 s=6
